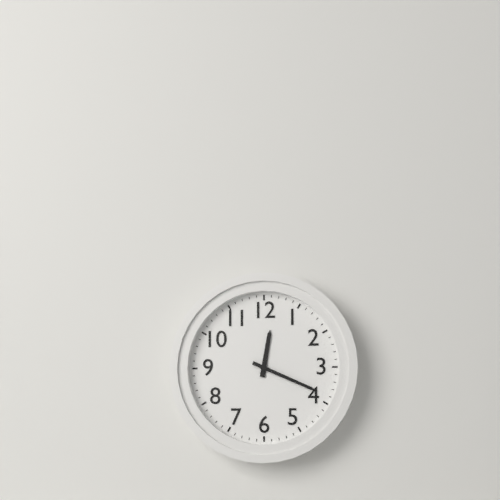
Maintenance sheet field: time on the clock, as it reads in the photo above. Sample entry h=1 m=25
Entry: h=12 m=19
